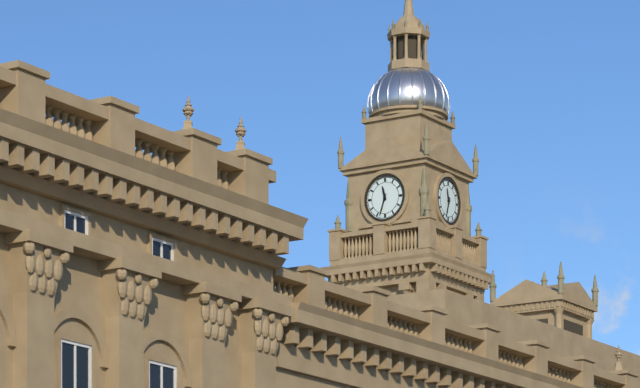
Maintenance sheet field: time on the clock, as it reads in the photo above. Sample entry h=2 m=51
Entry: h=11 m=33
